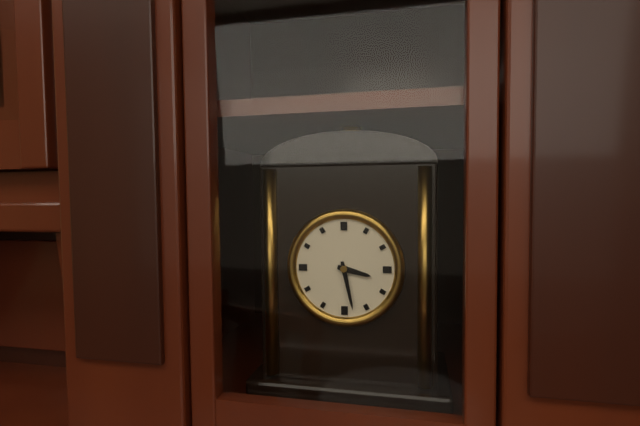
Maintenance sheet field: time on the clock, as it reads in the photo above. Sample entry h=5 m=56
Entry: h=3 m=28
